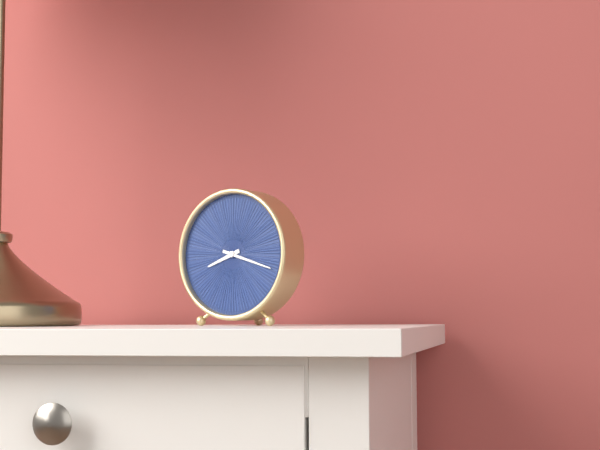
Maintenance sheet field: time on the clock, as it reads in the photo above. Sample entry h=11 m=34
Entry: h=8 m=18
